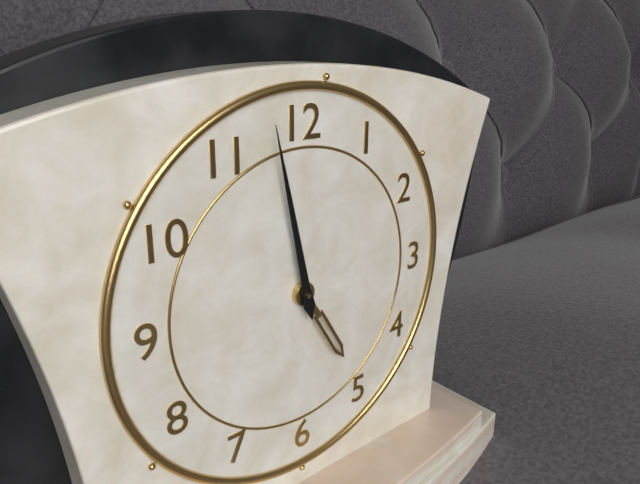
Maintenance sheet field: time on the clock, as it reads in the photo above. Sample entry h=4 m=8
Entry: h=4 m=58
